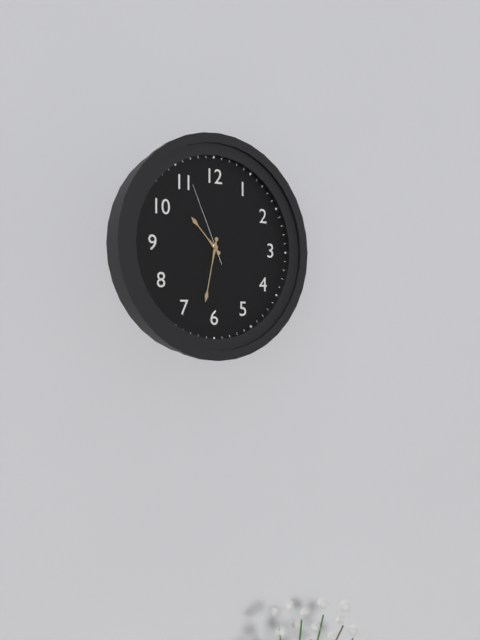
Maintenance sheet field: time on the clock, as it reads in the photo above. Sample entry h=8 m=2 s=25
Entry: h=10 m=32 s=56
